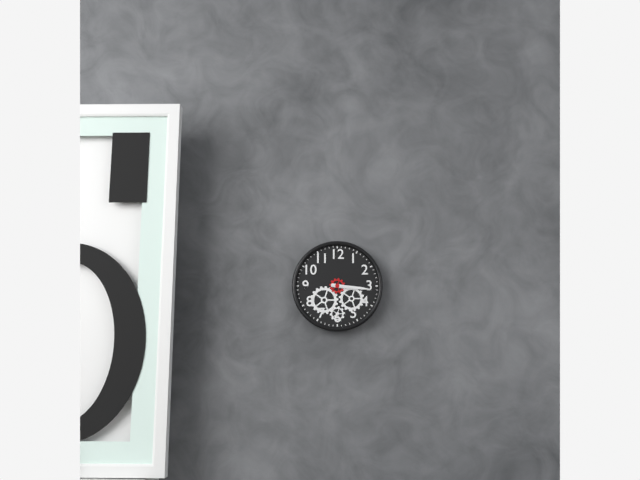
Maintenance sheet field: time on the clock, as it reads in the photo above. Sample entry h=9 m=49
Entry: h=3 m=16
